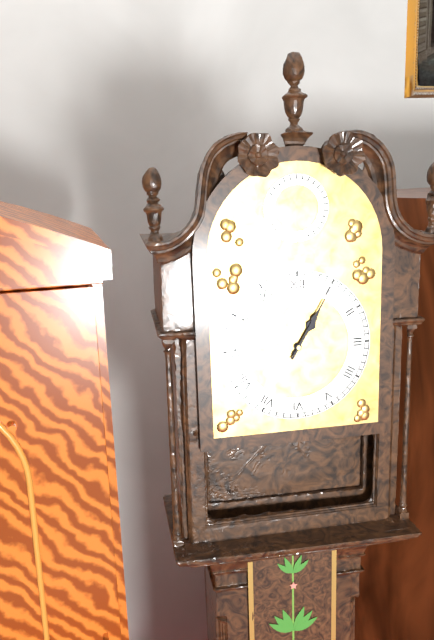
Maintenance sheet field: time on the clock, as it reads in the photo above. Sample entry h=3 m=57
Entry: h=1 m=5
